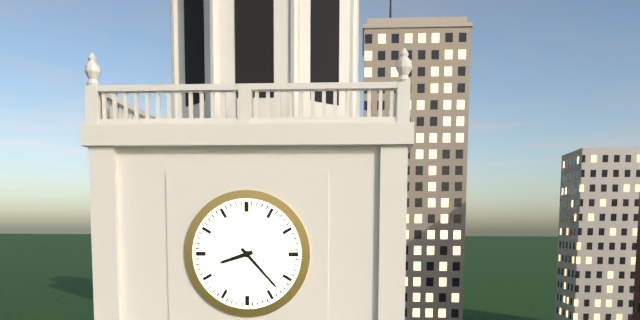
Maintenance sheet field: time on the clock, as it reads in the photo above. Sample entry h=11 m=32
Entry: h=8 m=23
